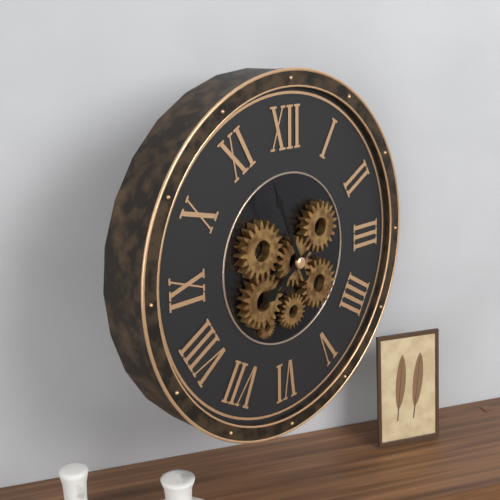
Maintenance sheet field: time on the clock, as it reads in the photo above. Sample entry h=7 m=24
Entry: h=7 m=56
